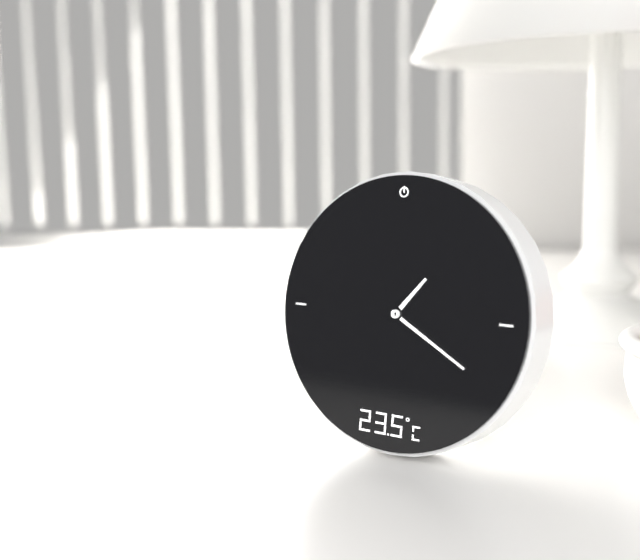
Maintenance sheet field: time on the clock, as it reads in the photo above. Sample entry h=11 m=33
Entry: h=1 m=20
